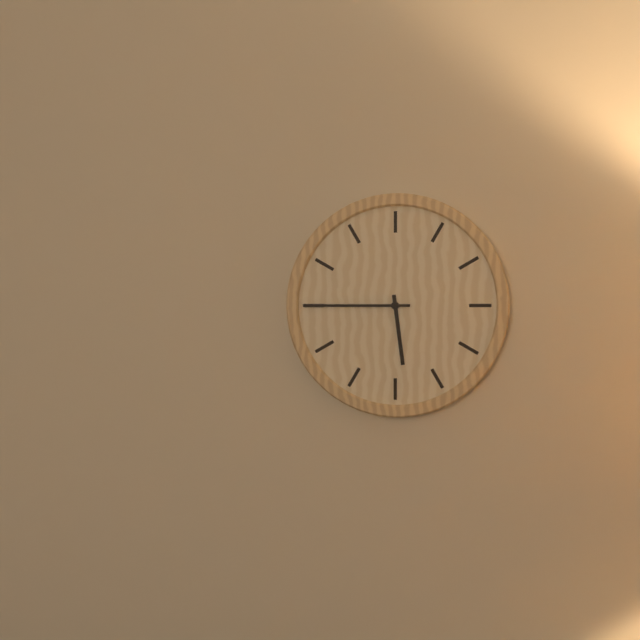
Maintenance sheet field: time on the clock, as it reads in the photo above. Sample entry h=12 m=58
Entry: h=5 m=45
